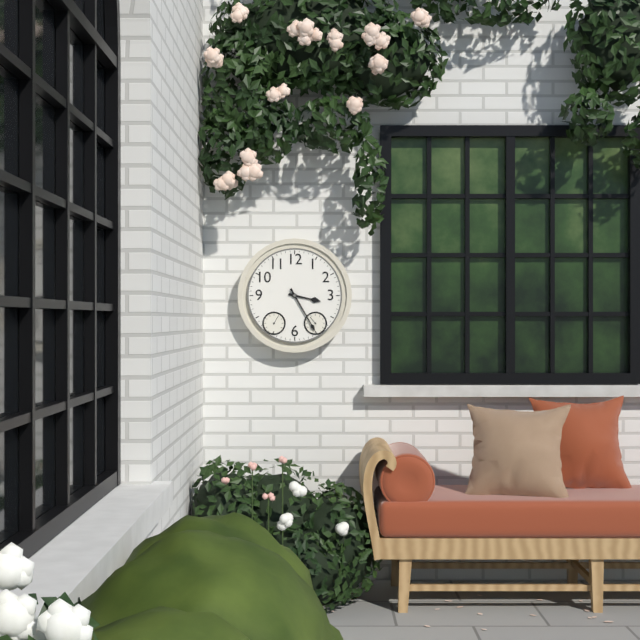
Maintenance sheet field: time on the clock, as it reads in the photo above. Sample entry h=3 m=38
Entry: h=3 m=25
